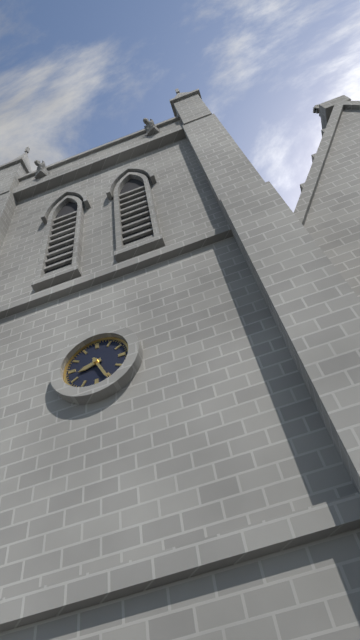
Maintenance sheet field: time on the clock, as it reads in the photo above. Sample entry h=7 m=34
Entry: h=8 m=26
